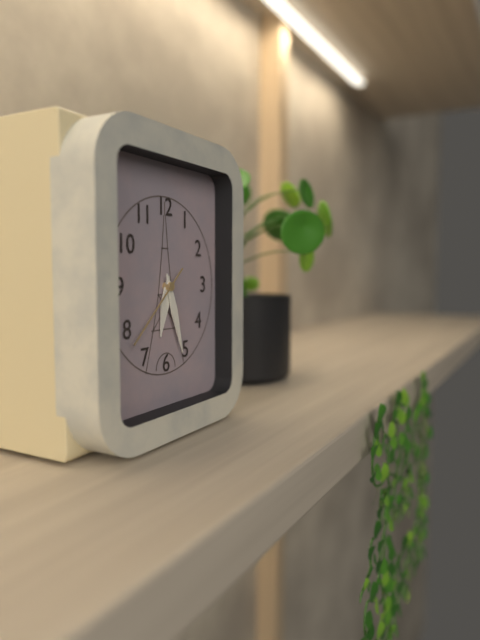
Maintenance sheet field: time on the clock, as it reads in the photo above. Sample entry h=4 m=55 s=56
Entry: h=6 m=27 s=38
